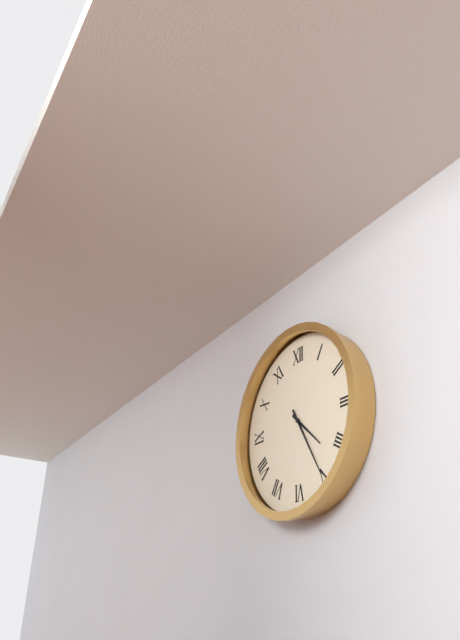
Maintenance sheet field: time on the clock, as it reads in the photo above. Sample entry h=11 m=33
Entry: h=4 m=25
